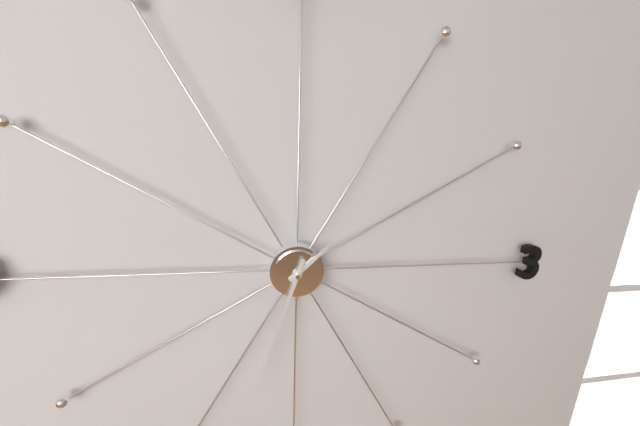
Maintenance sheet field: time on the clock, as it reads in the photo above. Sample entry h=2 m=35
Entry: h=1 m=33
